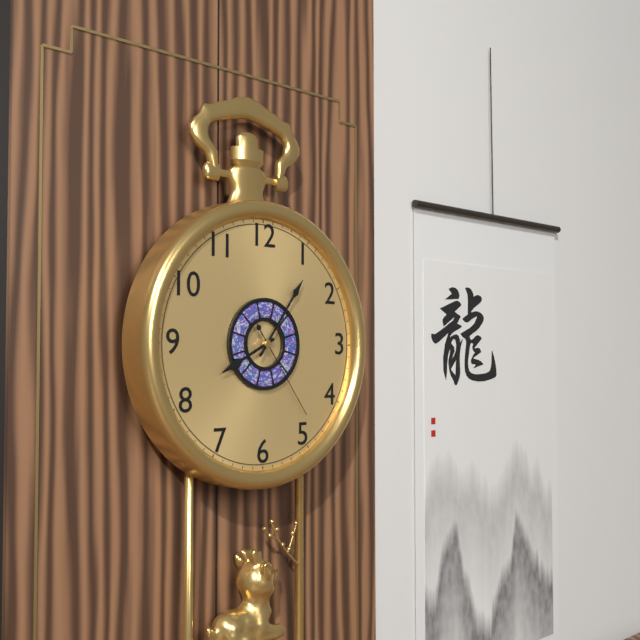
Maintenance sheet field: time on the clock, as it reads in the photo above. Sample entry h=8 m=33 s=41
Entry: h=8 m=6 s=24
